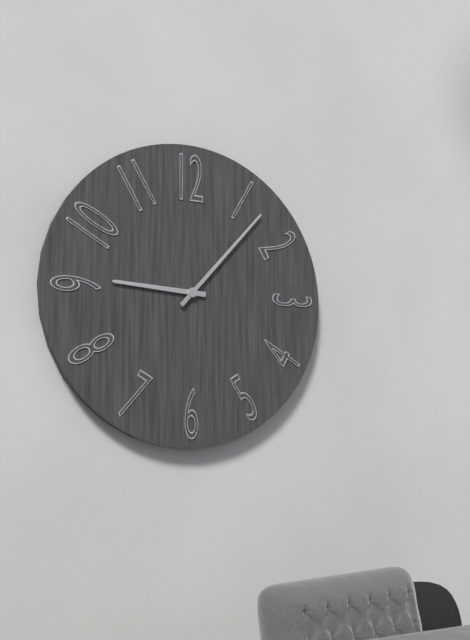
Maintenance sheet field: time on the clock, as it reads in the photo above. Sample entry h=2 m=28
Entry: h=9 m=7
